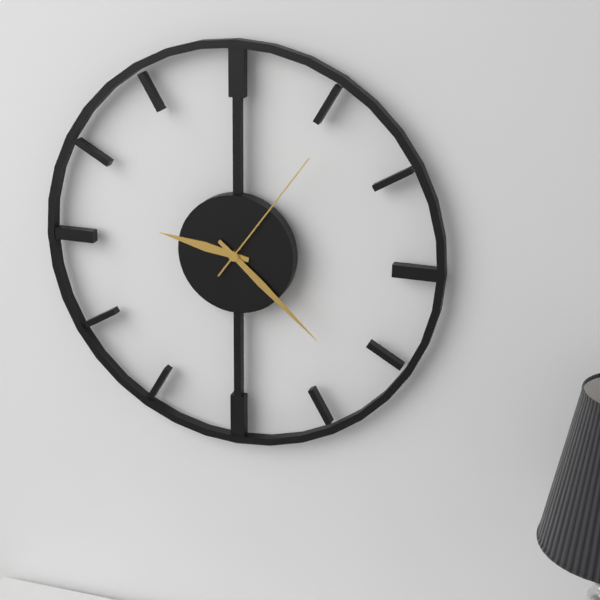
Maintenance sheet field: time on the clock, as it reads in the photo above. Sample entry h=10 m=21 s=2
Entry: h=9 m=22 s=6
